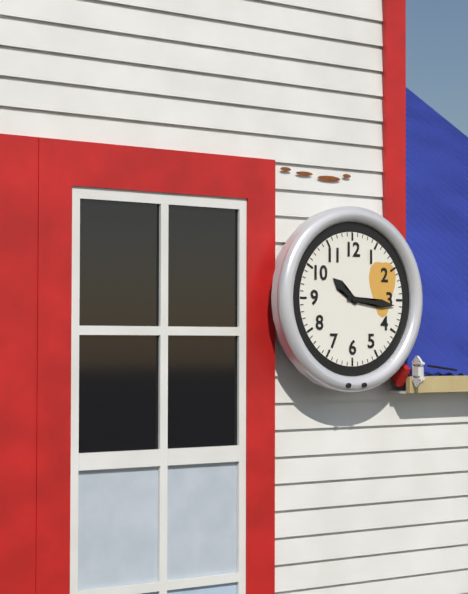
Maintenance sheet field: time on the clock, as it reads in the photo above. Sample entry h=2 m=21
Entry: h=10 m=16
